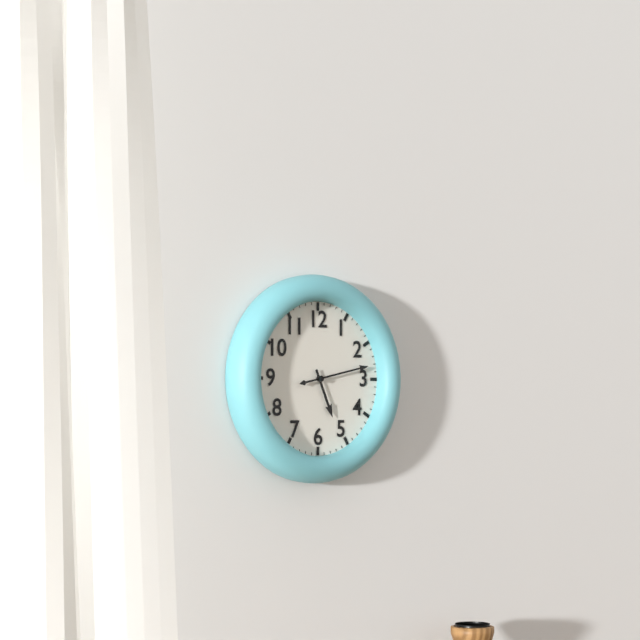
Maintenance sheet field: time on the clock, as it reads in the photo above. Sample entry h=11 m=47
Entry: h=5 m=13
